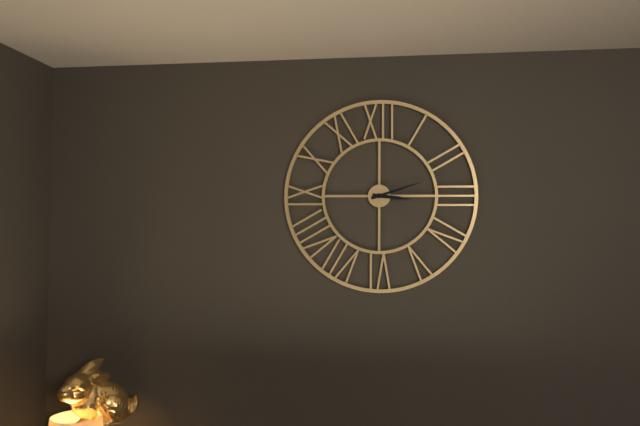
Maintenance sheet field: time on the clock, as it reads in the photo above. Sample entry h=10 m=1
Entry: h=3 m=12
